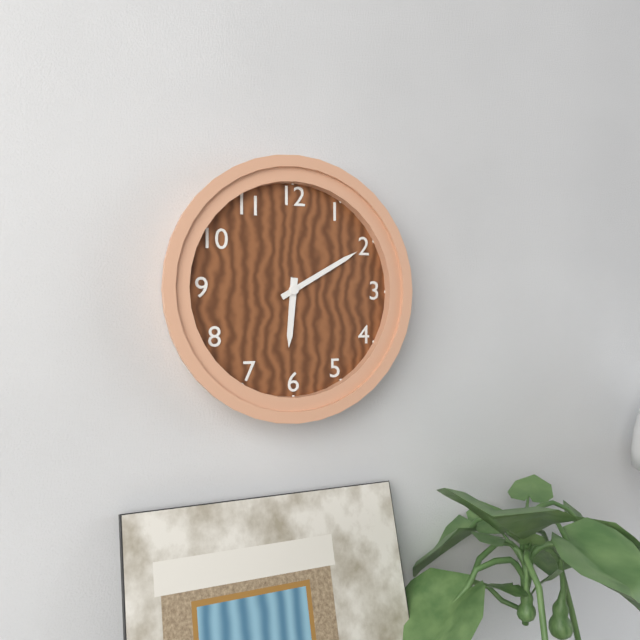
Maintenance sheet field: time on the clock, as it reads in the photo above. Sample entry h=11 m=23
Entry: h=6 m=10
